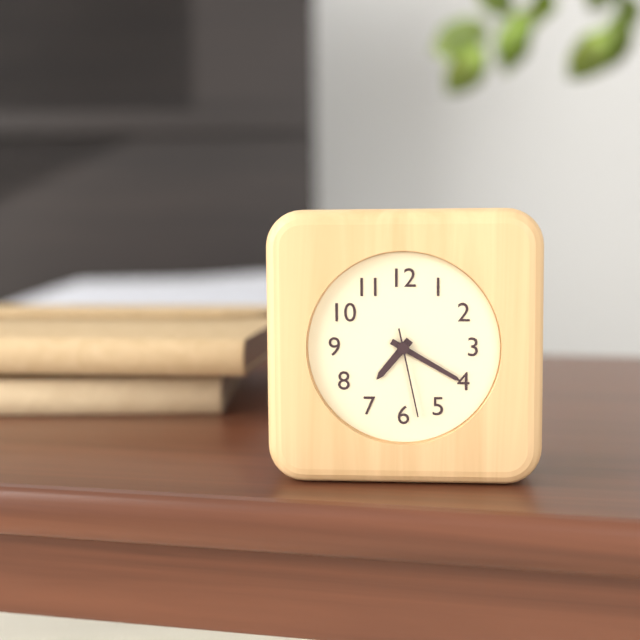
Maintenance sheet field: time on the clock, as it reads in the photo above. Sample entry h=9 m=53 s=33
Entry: h=7 m=20 s=28
